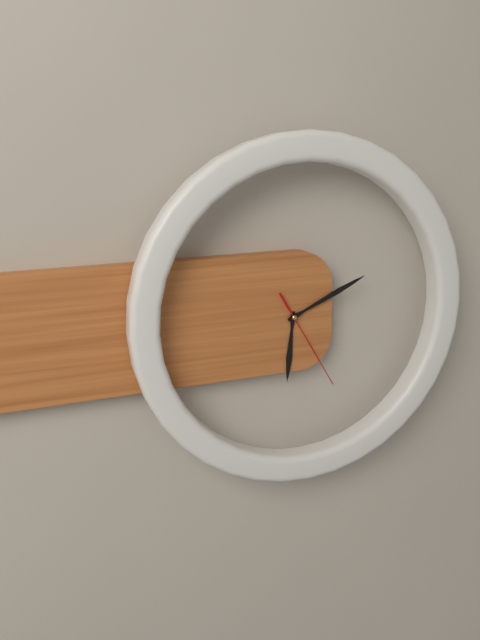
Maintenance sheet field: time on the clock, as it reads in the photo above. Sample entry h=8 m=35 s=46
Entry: h=6 m=11 s=25
